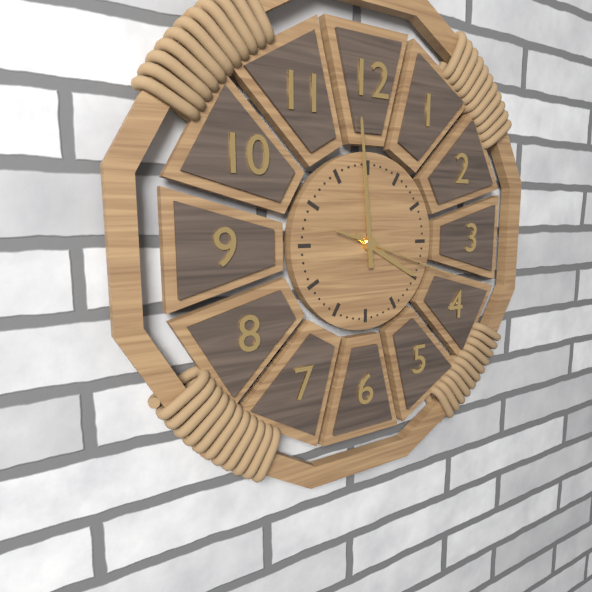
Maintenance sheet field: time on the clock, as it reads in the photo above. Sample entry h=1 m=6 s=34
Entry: h=3 m=59 s=18
